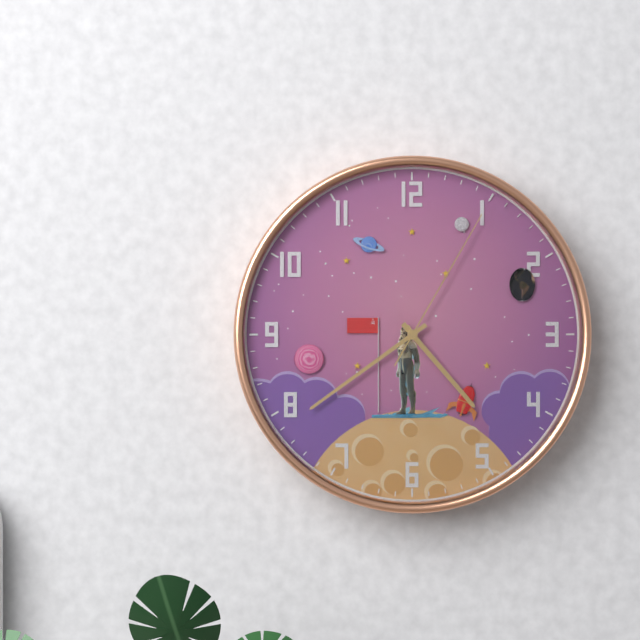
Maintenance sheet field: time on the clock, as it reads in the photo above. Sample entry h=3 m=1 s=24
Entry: h=4 m=39 s=5
